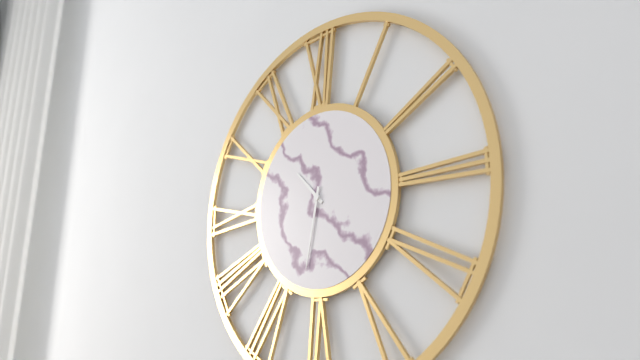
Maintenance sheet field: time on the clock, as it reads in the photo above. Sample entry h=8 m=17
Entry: h=10 m=32
